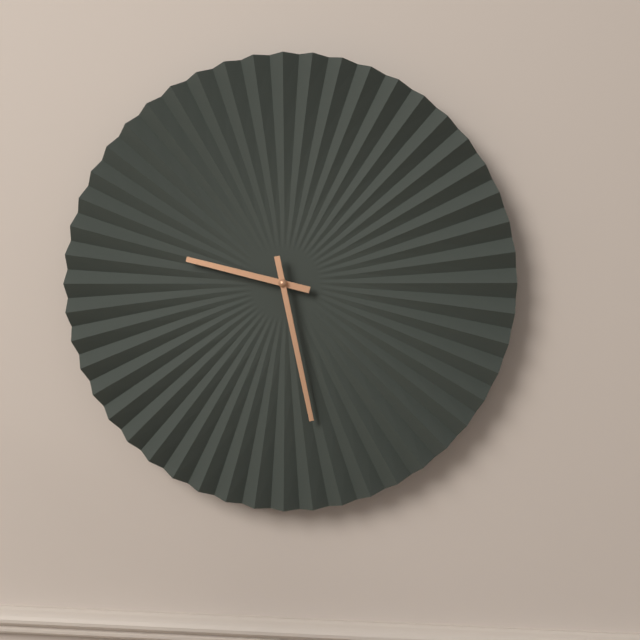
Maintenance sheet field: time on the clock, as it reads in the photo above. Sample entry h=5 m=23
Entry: h=9 m=28
